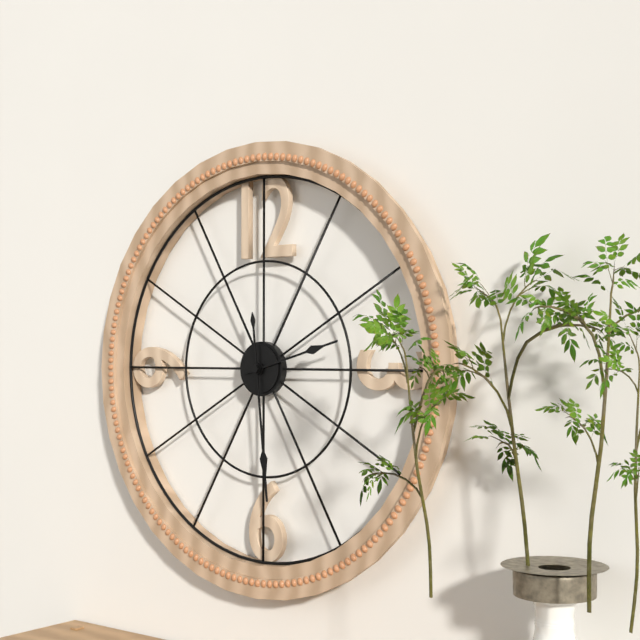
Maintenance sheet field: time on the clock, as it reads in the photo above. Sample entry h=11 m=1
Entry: h=2 m=29
